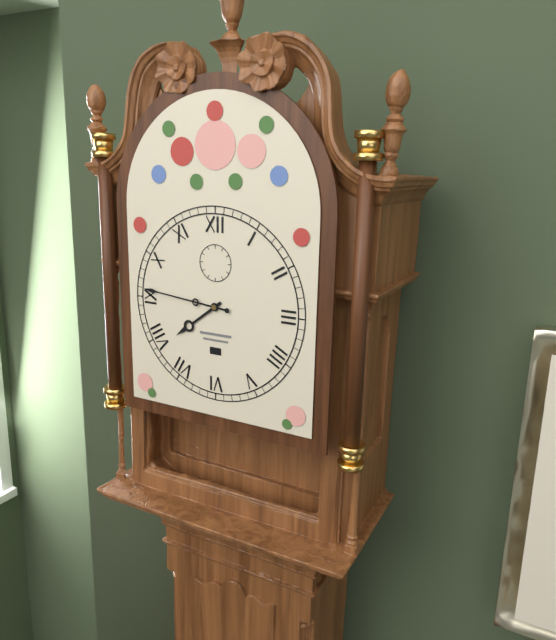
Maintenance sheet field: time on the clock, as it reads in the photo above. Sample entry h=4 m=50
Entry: h=7 m=46
